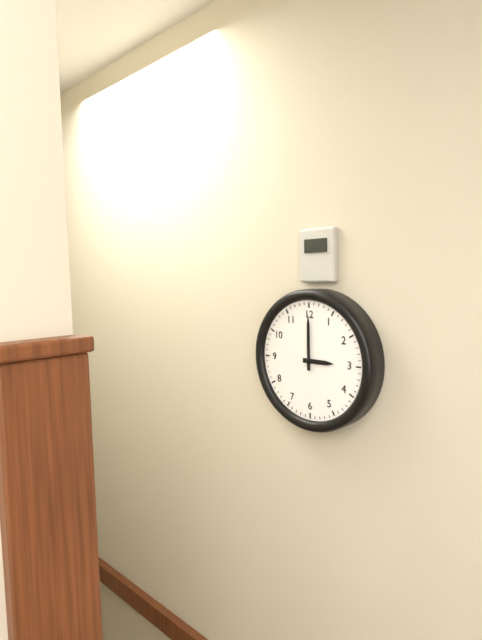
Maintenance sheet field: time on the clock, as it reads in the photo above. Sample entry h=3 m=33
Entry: h=3 m=0
